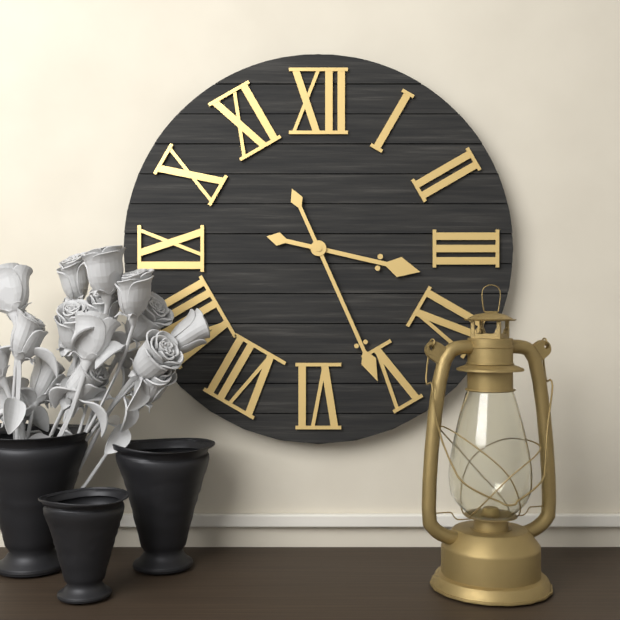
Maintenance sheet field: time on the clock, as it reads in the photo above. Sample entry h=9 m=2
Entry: h=3 m=26
